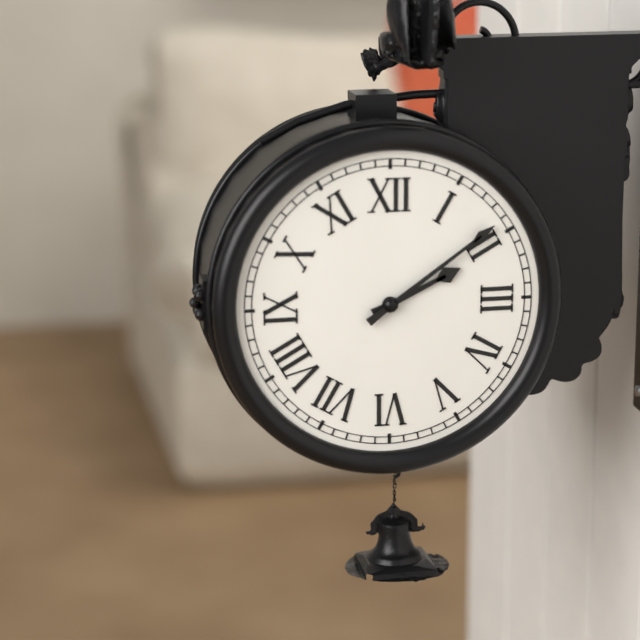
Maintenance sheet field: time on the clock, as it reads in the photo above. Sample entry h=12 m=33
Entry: h=2 m=9
